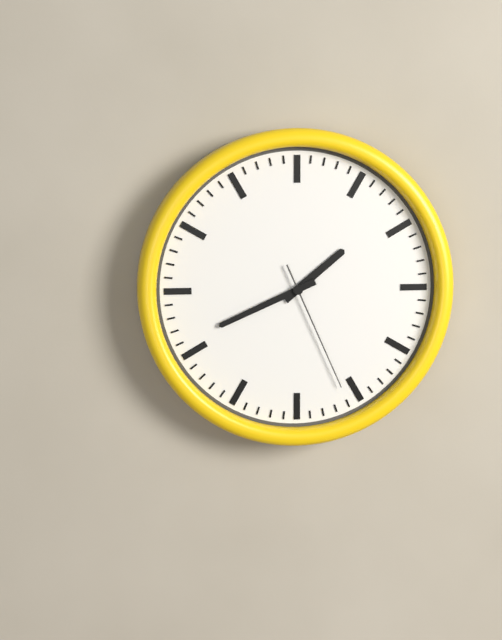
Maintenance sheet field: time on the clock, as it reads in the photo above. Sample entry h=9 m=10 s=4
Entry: h=1 m=41 s=26
